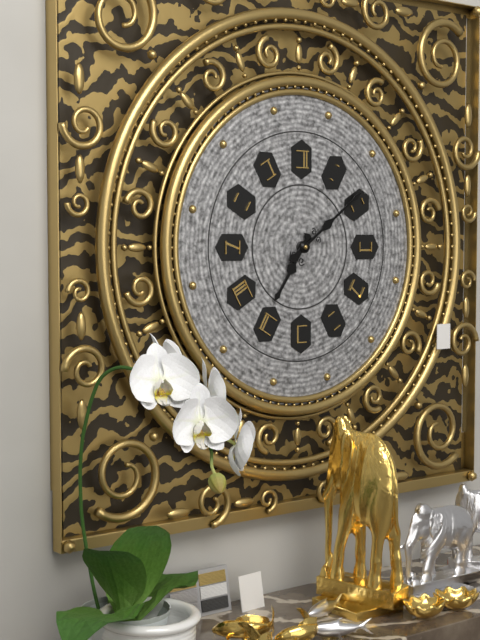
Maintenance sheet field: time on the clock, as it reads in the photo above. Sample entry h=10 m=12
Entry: h=7 m=9
